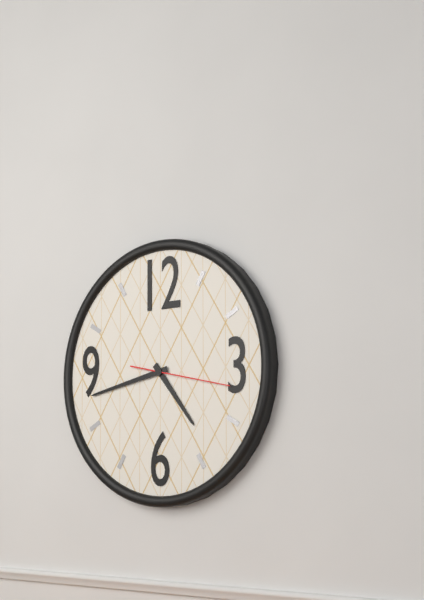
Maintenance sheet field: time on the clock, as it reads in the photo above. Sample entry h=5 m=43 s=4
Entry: h=4 m=43 s=17
